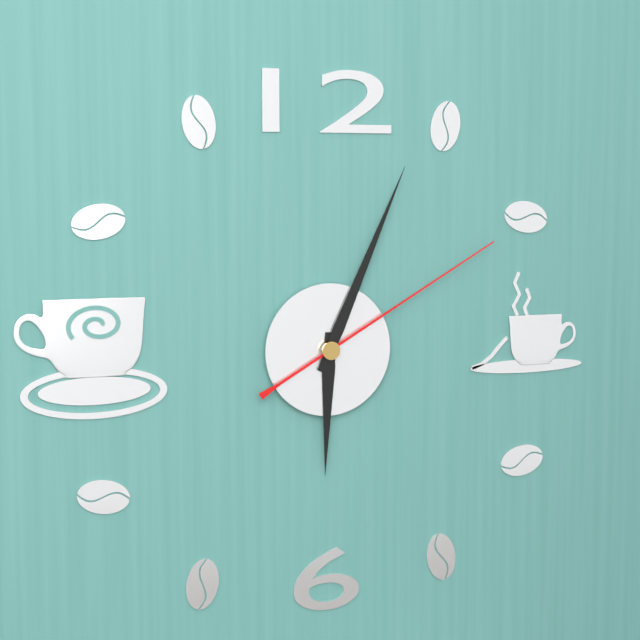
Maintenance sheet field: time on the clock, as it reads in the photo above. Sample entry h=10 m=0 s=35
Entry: h=6 m=4 s=10
